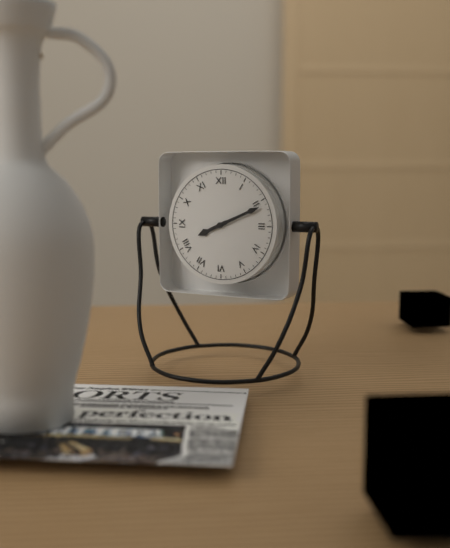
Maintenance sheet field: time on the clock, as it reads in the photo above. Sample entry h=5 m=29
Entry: h=8 m=11
